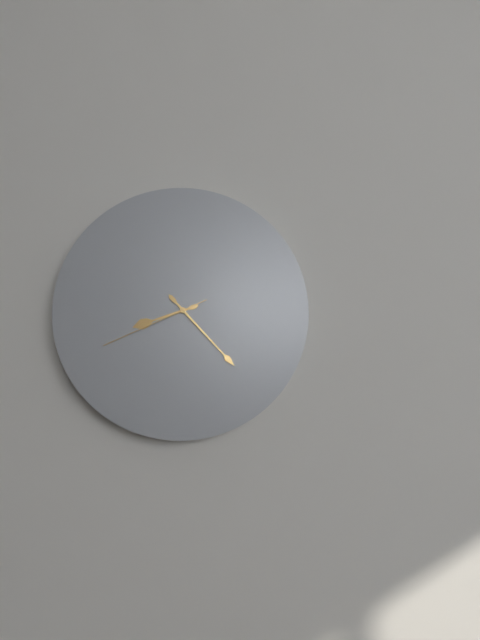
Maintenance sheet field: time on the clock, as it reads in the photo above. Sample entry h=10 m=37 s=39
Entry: h=8 m=23 s=41
